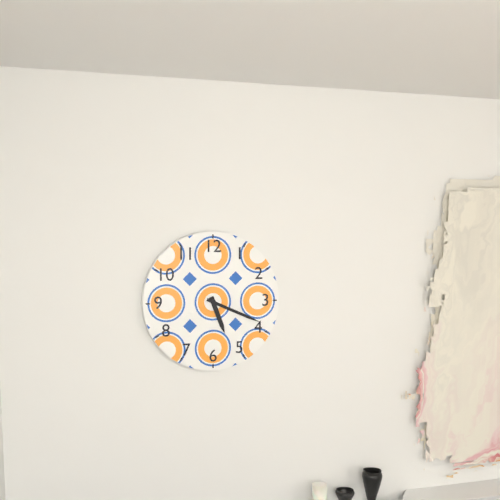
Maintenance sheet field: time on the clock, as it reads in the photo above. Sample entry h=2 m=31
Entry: h=5 m=19
